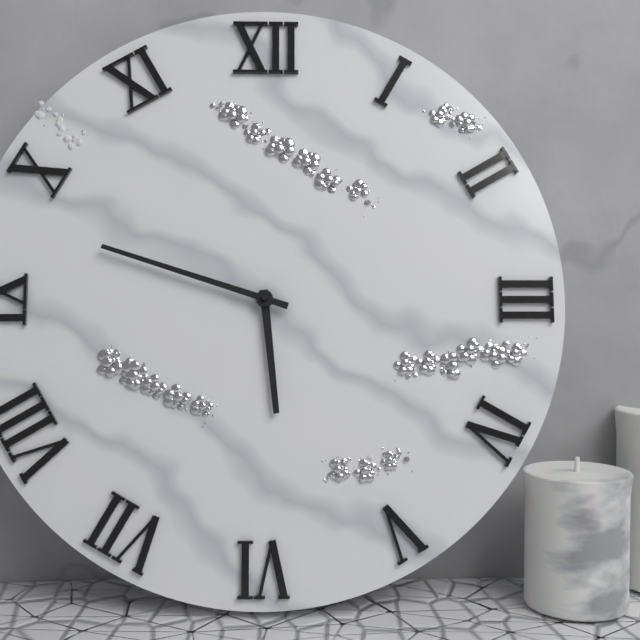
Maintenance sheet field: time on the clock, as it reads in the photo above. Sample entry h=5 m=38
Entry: h=5 m=48
